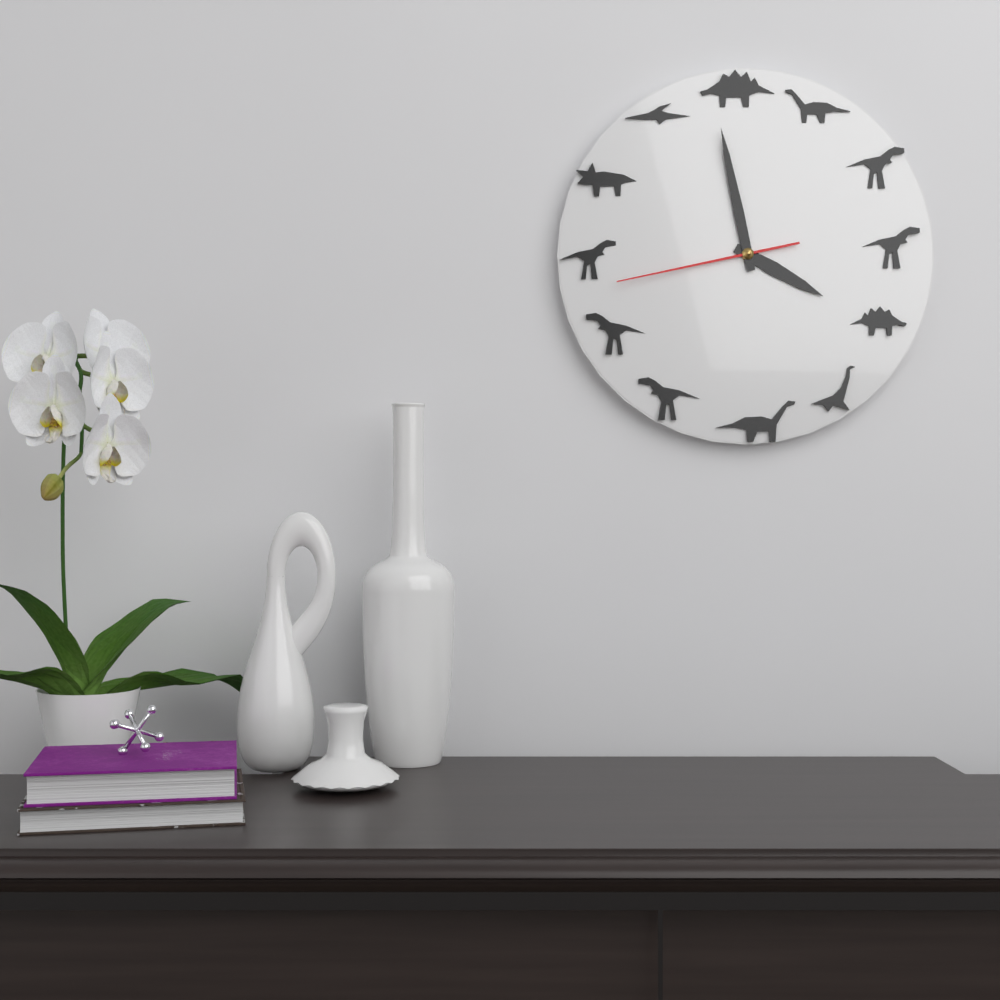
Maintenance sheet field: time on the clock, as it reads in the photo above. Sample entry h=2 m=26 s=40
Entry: h=3 m=58 s=43
